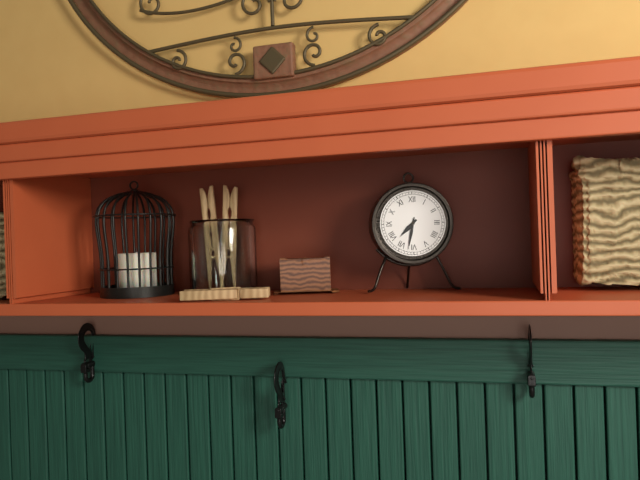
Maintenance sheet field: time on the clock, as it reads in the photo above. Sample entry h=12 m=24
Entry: h=7 m=32
